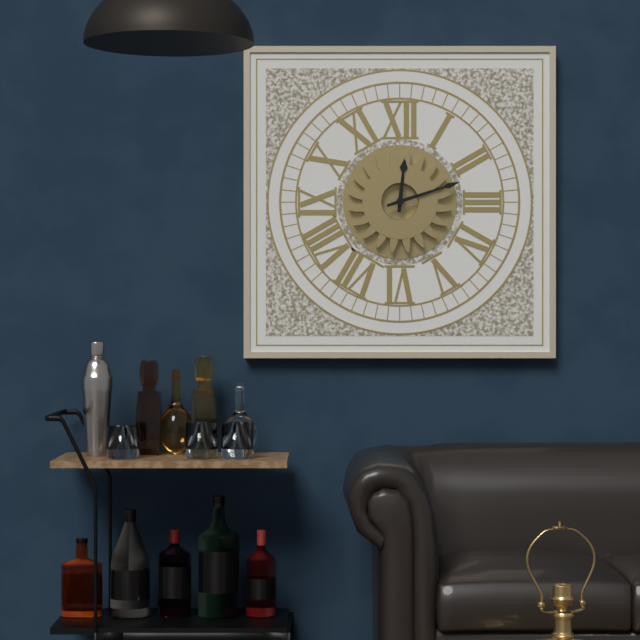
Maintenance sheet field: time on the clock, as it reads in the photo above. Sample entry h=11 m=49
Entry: h=12 m=12
